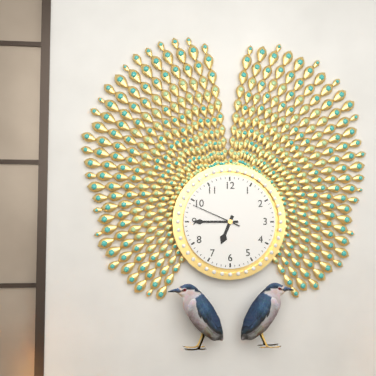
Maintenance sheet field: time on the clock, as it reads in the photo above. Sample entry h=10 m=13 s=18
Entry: h=6 m=45 s=49
